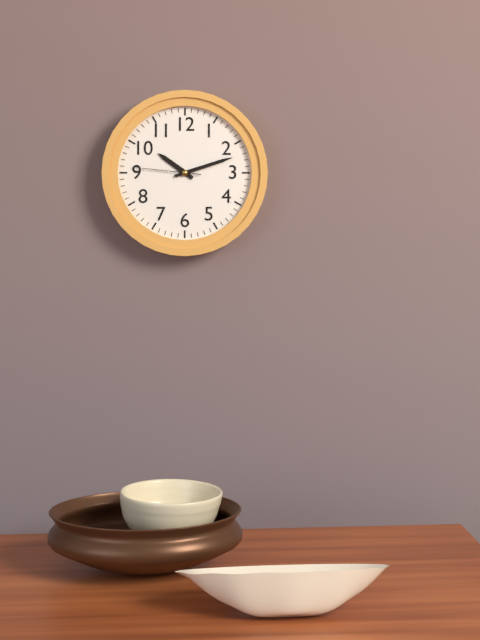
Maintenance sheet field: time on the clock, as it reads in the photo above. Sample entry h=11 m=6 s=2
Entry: h=10 m=12 s=46
